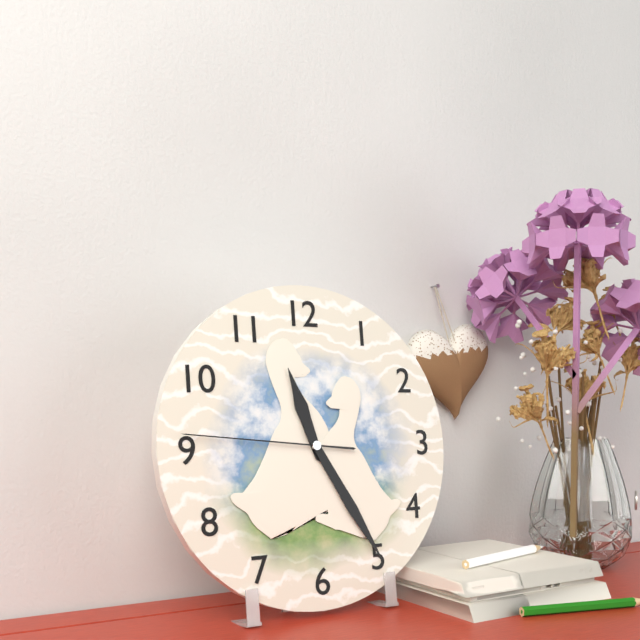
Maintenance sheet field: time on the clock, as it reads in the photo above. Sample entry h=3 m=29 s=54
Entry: h=11 m=25 s=46
